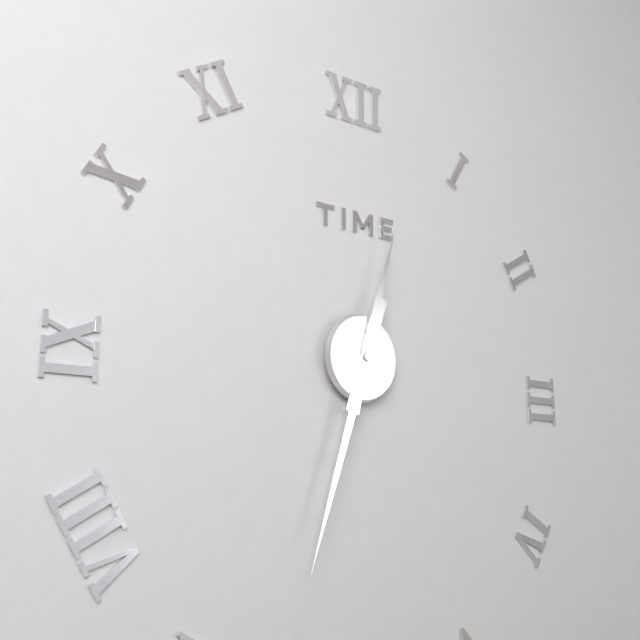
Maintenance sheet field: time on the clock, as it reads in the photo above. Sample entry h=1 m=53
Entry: h=12 m=33
